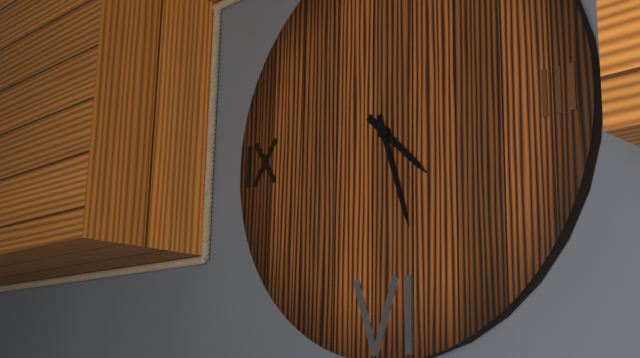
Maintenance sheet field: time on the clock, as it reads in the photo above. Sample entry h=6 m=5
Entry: h=4 m=27
